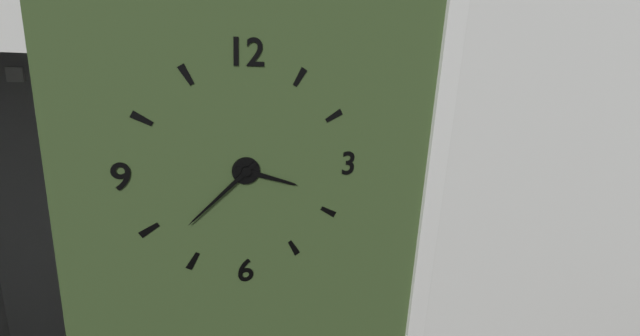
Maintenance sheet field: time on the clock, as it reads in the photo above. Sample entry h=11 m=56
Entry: h=3 m=38
